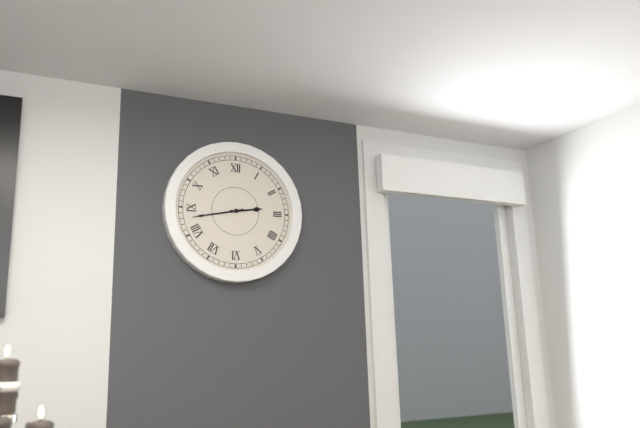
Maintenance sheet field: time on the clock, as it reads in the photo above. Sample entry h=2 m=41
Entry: h=2 m=43
